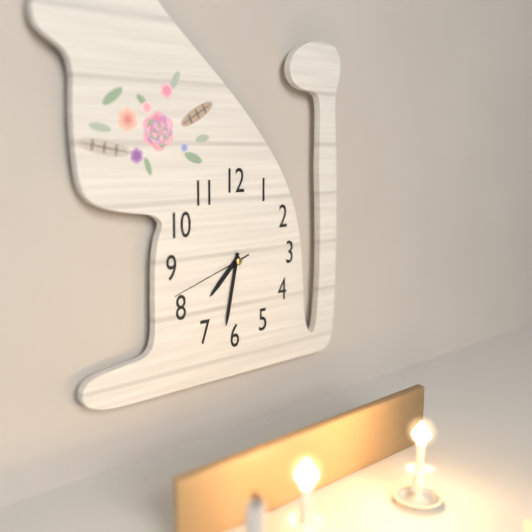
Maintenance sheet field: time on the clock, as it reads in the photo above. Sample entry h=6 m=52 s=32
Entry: h=7 m=32 s=42
